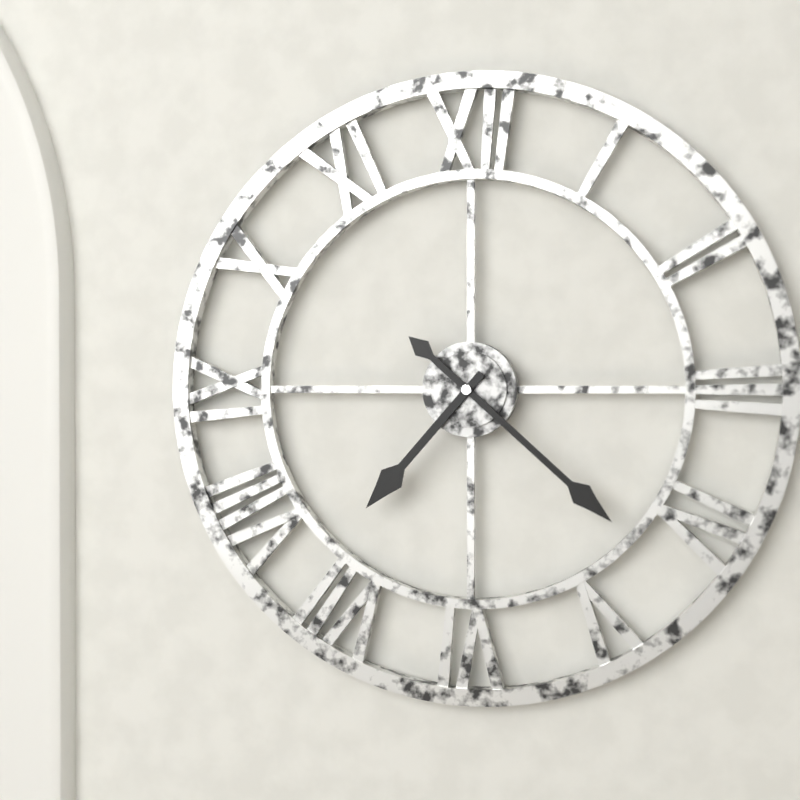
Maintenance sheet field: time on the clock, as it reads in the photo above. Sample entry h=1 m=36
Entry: h=7 m=22
